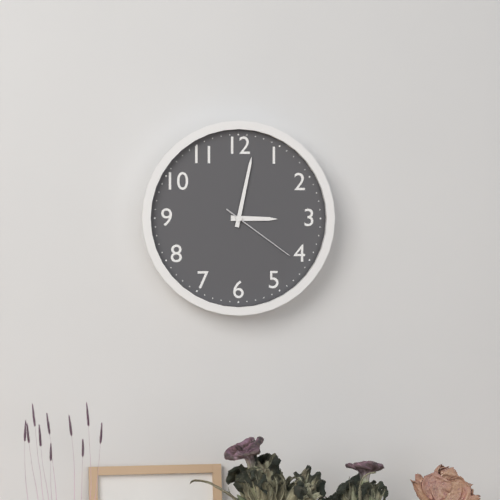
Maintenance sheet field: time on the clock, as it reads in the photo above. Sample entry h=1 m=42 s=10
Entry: h=3 m=2 s=21
